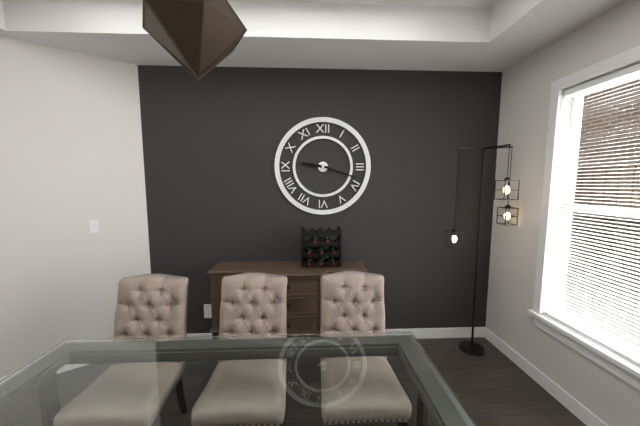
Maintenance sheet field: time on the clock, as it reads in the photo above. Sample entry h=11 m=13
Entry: h=9 m=18
